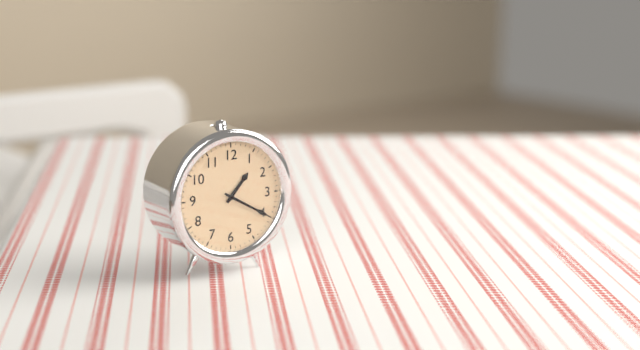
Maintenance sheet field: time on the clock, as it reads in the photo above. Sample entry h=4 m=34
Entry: h=1 m=20
